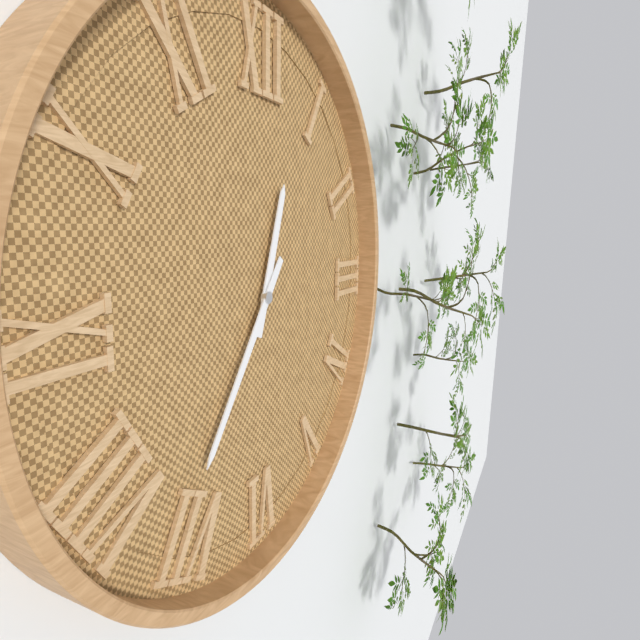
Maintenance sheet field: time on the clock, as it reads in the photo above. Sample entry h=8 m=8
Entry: h=12 m=36
